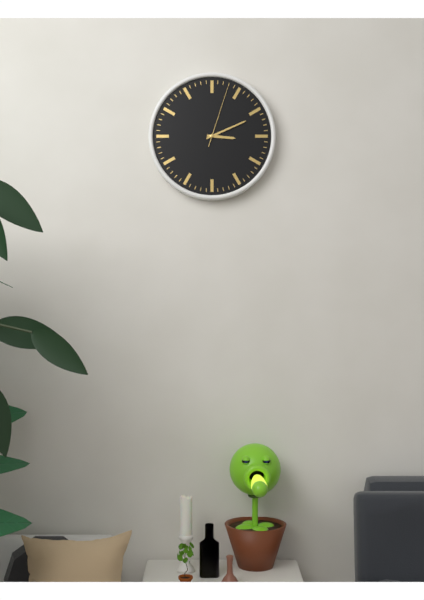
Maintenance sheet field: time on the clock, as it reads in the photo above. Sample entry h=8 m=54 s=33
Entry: h=3 m=11 s=3
